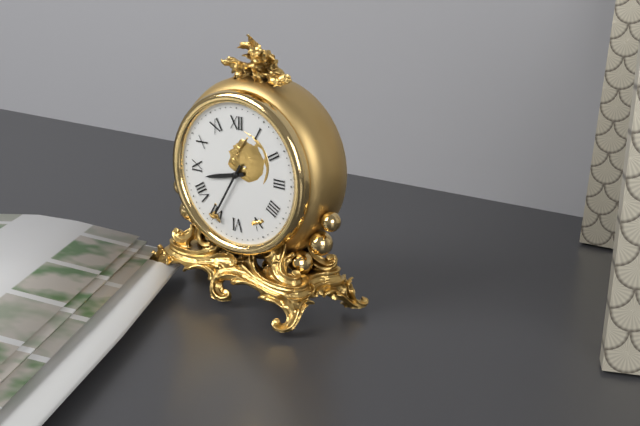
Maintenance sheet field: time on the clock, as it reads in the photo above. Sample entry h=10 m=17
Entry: h=8 m=35
